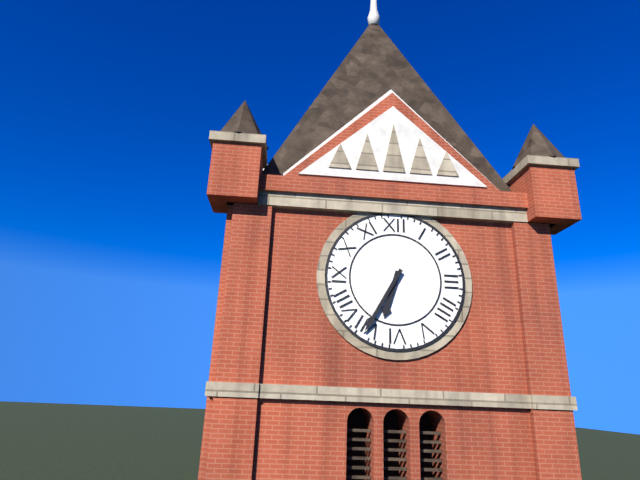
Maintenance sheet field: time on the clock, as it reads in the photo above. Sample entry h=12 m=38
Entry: h=6 m=35
